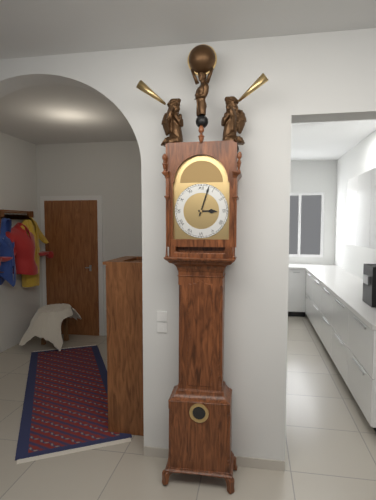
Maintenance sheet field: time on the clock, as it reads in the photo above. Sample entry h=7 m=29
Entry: h=3 m=3
